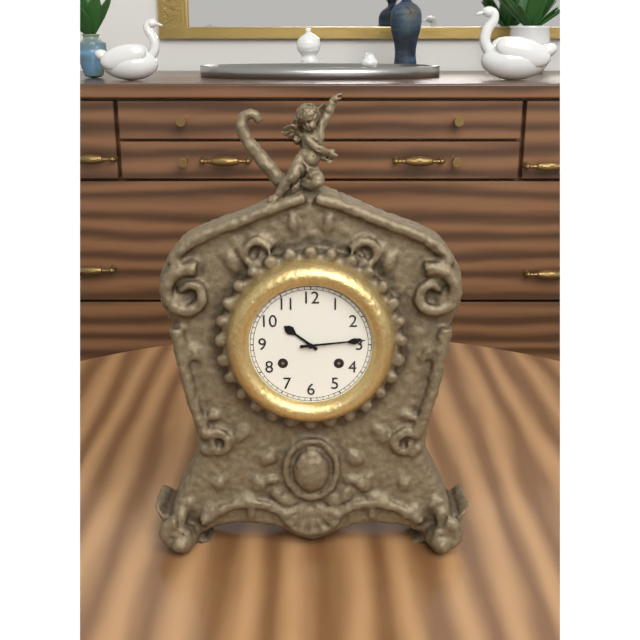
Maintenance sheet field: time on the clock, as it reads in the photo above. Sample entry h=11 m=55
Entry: h=10 m=14
